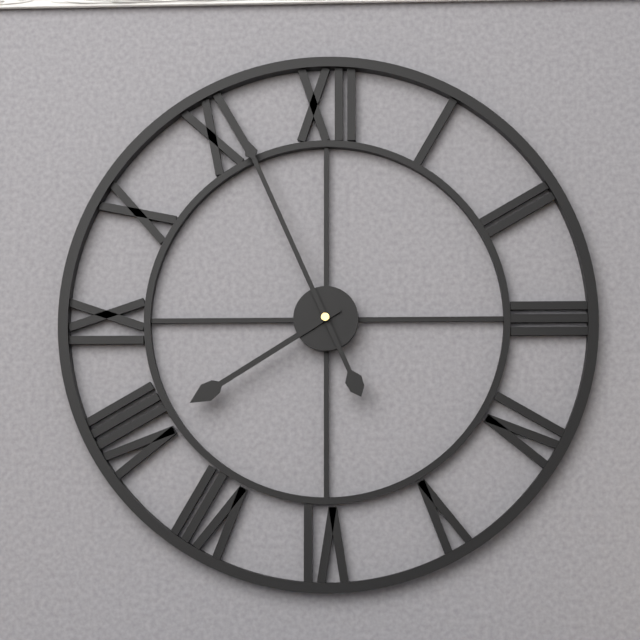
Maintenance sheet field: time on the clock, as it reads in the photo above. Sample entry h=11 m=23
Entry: h=7 m=56
